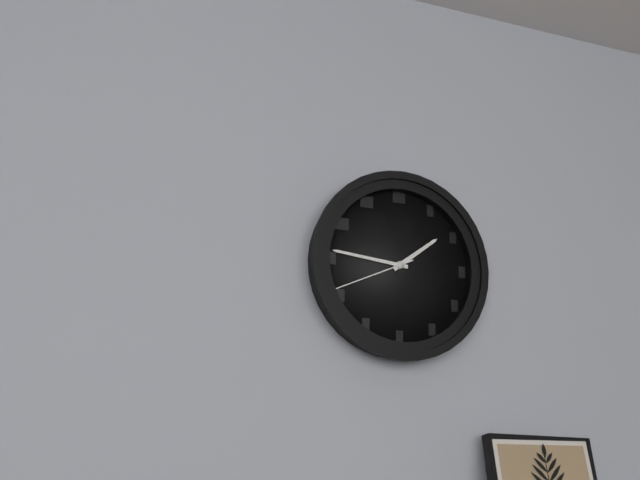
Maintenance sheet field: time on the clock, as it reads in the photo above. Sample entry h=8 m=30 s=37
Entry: h=1 m=46 s=41
